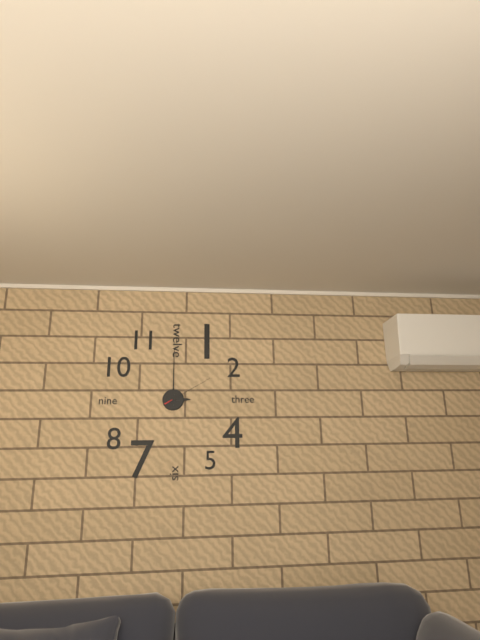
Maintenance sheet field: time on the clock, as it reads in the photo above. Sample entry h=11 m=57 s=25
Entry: h=3 m=0 s=10
